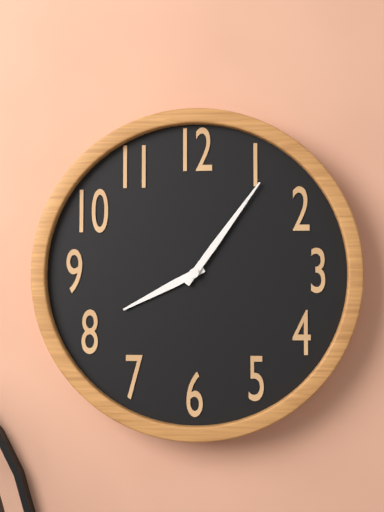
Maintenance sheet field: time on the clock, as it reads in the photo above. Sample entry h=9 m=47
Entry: h=8 m=6
